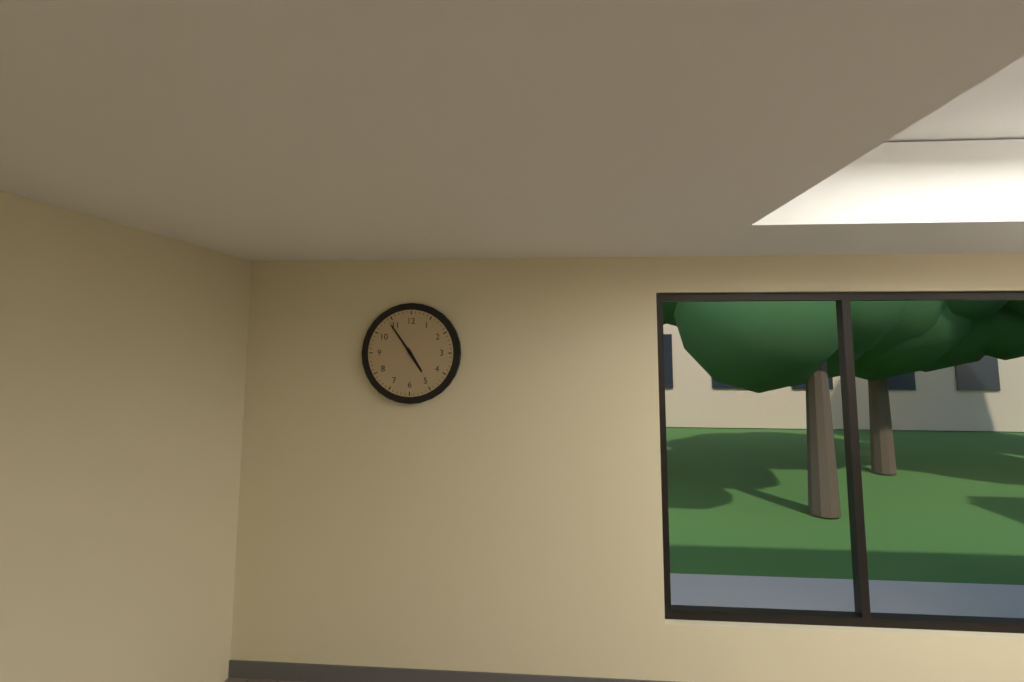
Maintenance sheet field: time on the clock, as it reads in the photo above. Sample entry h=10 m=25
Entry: h=4 m=54
